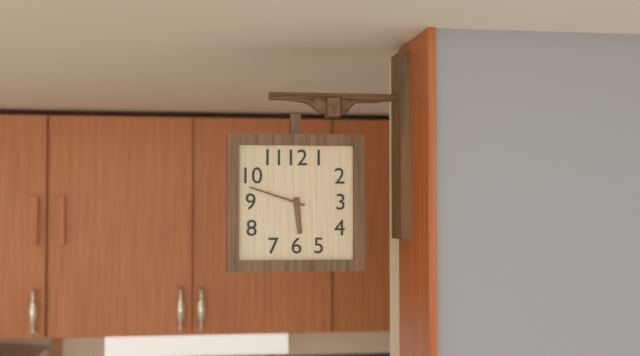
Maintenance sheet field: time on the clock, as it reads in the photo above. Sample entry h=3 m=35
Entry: h=5 m=48
